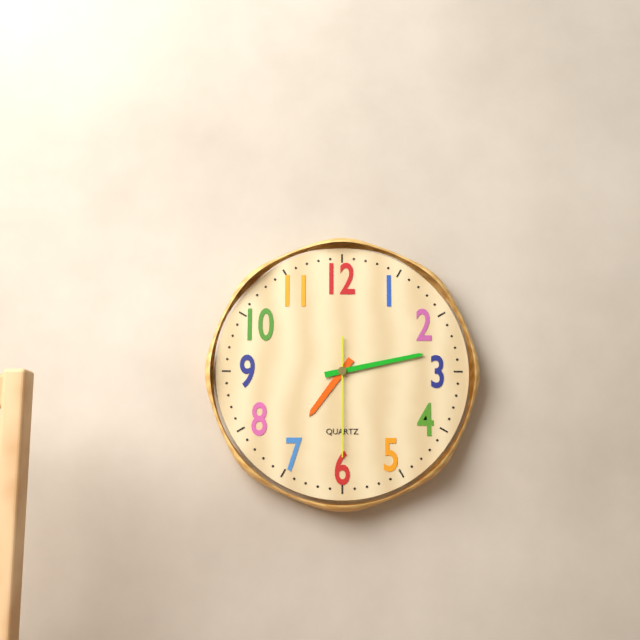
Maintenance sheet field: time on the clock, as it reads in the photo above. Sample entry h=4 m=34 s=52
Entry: h=7 m=13 s=30
